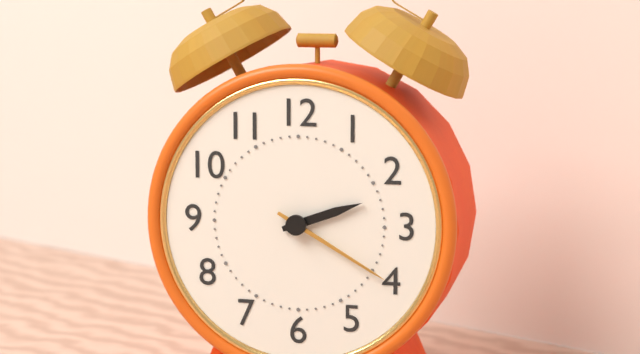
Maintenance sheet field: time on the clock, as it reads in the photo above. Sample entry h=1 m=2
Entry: h=2 m=20
